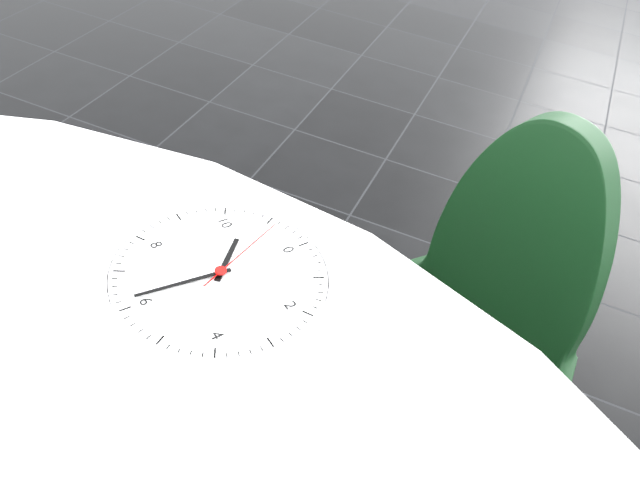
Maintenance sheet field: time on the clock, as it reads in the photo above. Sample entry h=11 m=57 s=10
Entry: h=10 m=31 s=56
